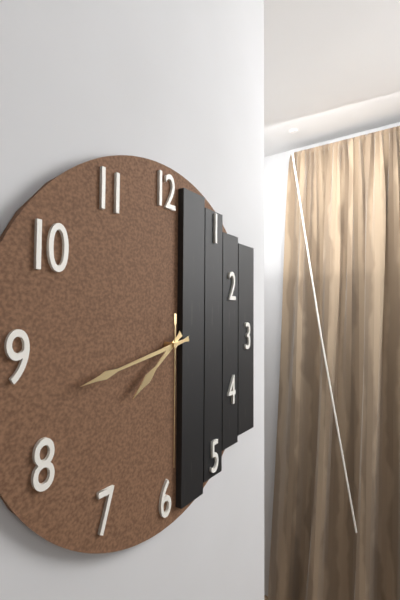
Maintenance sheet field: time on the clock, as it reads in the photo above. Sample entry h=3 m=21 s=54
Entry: h=7 m=43 s=30
